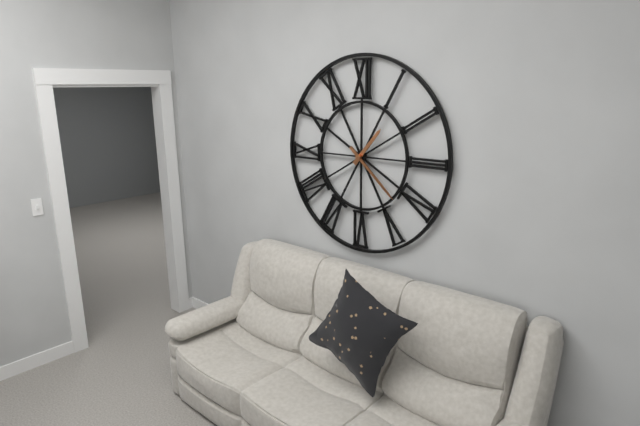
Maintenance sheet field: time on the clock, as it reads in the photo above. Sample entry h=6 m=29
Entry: h=1 m=22
